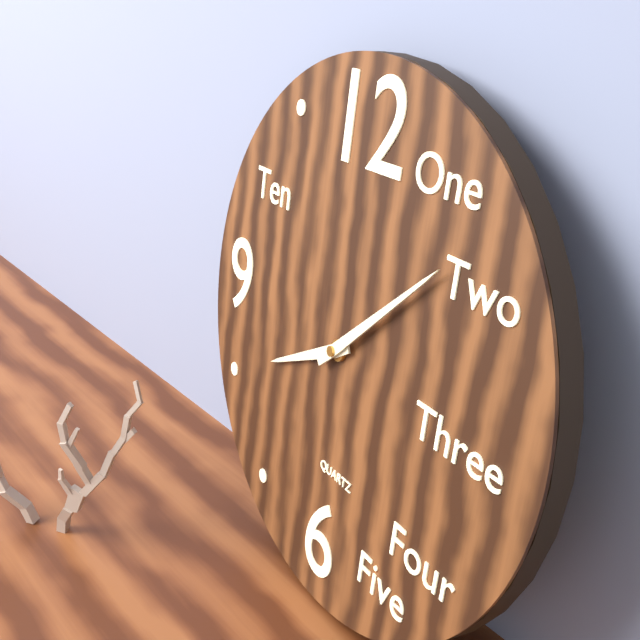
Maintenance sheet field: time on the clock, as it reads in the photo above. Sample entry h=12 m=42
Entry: h=8 m=8
